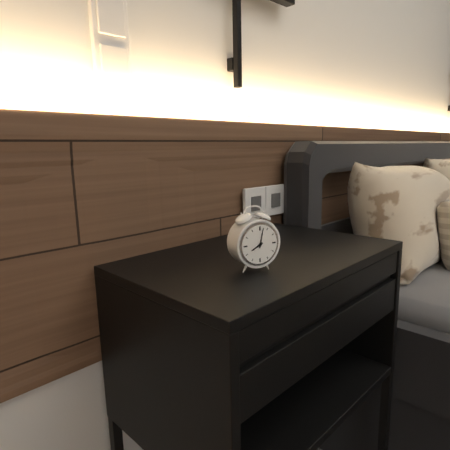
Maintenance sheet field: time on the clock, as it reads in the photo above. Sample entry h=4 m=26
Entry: h=8 m=2
